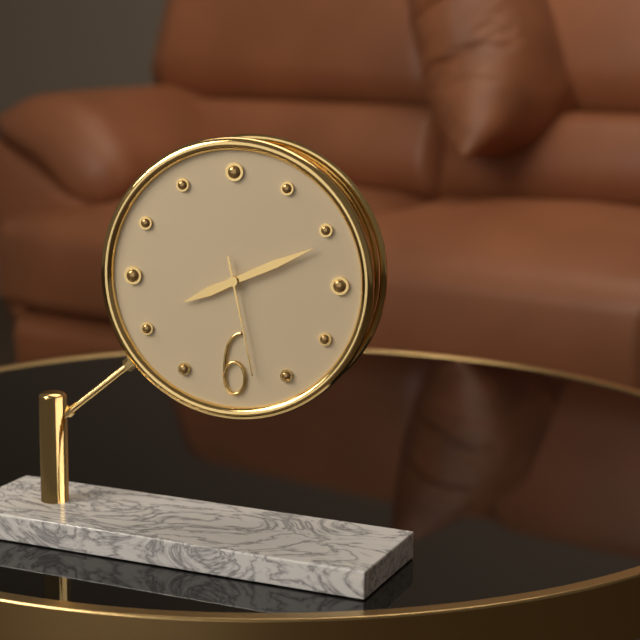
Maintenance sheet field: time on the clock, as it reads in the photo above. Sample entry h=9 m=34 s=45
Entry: h=8 m=11 s=28
